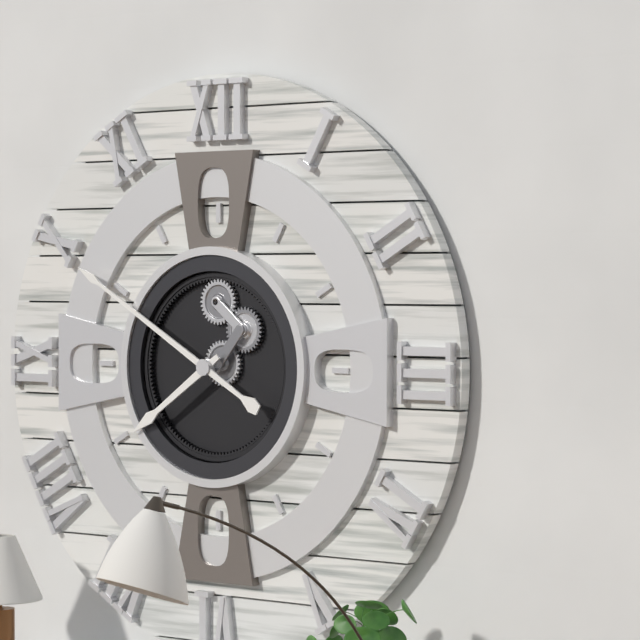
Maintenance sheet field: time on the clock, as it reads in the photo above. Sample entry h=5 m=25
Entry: h=7 m=50
